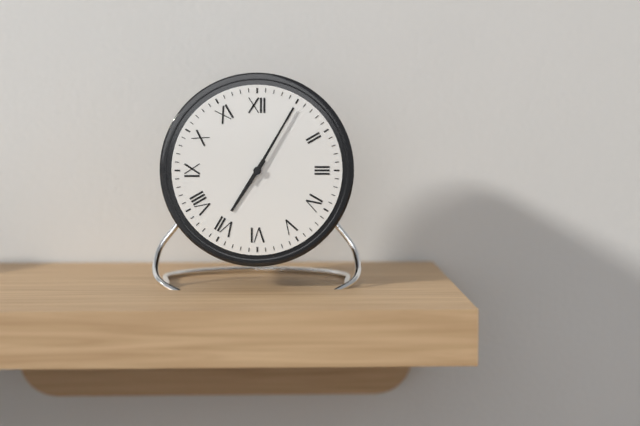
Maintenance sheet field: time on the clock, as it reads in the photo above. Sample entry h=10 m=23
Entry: h=7 m=5
